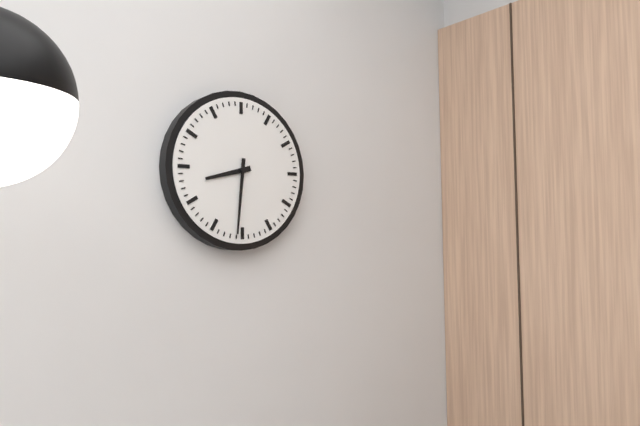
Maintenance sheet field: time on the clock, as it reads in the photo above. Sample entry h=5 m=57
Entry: h=8 m=31
